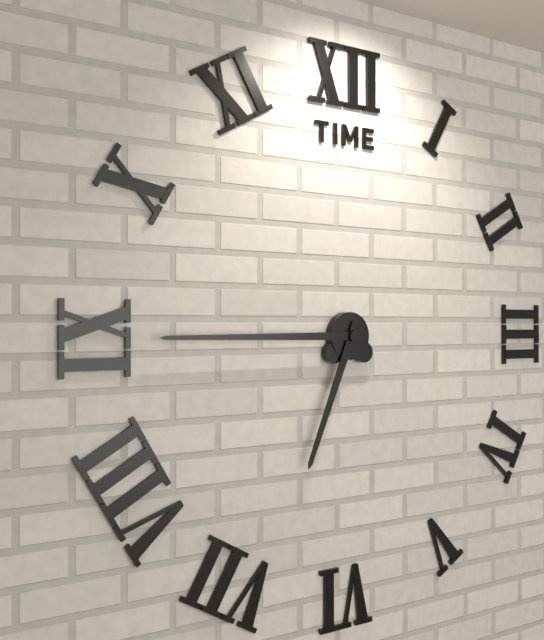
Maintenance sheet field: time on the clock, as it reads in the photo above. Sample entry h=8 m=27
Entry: h=6 m=45
